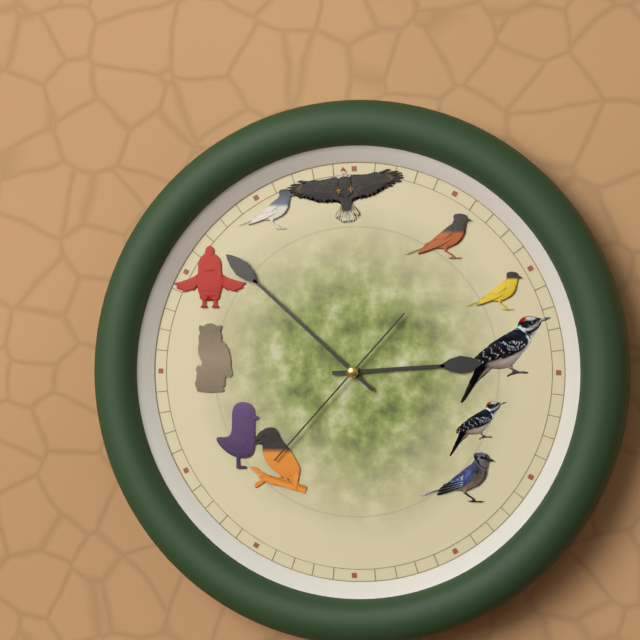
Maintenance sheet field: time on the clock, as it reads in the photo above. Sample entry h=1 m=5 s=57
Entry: h=2 m=52 s=37
